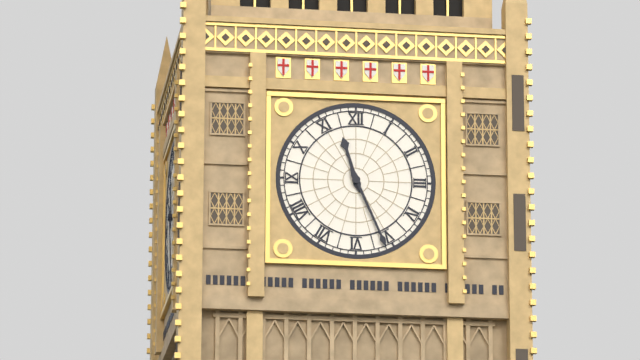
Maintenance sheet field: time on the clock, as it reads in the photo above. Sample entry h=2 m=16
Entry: h=11 m=26
